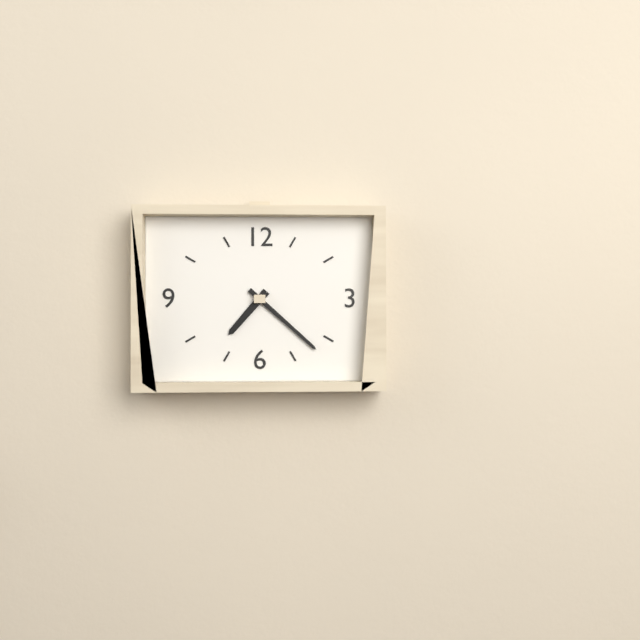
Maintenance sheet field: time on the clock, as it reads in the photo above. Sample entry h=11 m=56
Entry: h=7 m=22
